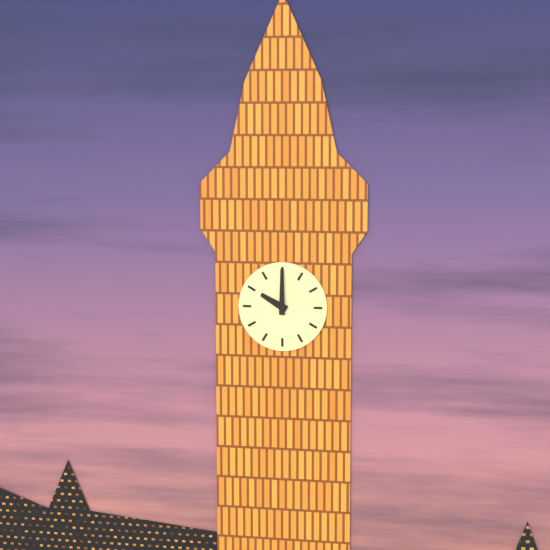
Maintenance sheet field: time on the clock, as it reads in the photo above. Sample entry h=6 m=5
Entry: h=10 m=0
